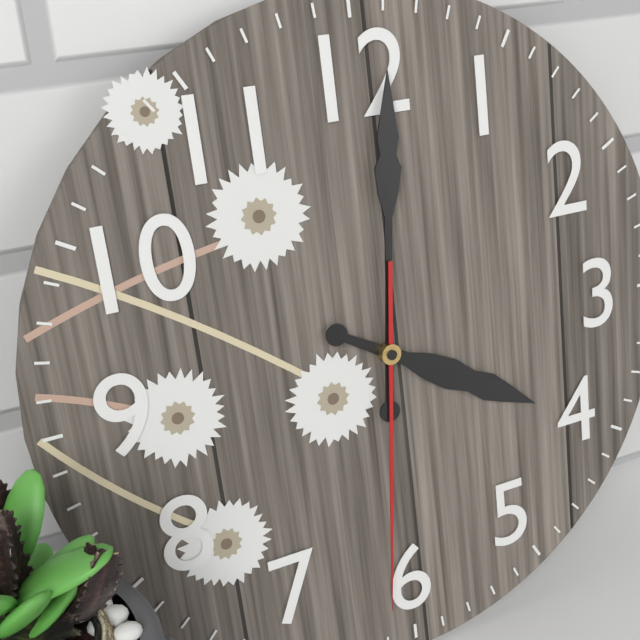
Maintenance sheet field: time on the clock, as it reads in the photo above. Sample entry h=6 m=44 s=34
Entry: h=4 m=1 s=31
